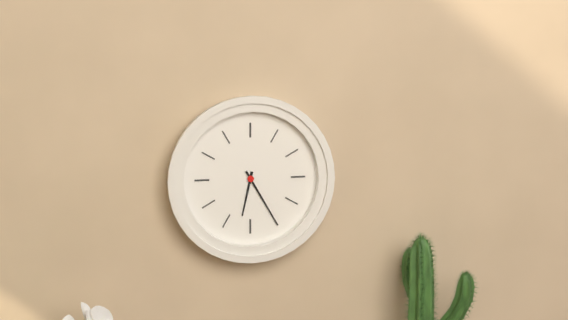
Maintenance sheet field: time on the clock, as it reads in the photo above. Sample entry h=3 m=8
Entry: h=6 m=25
